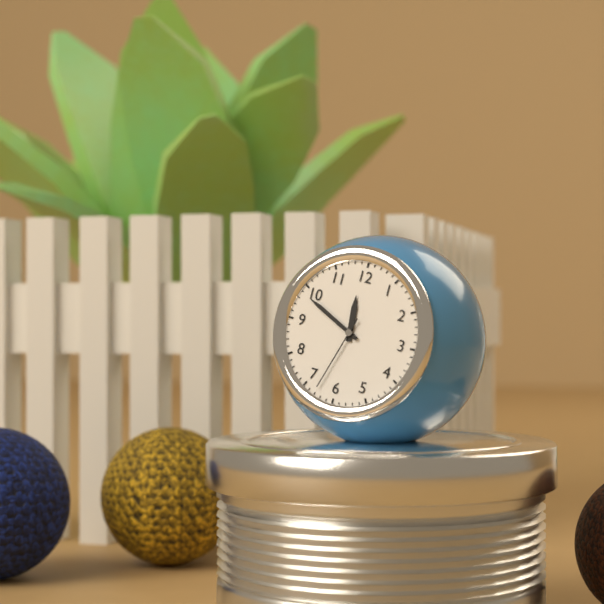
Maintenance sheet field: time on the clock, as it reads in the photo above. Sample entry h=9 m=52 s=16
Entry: h=11 m=49 s=33
